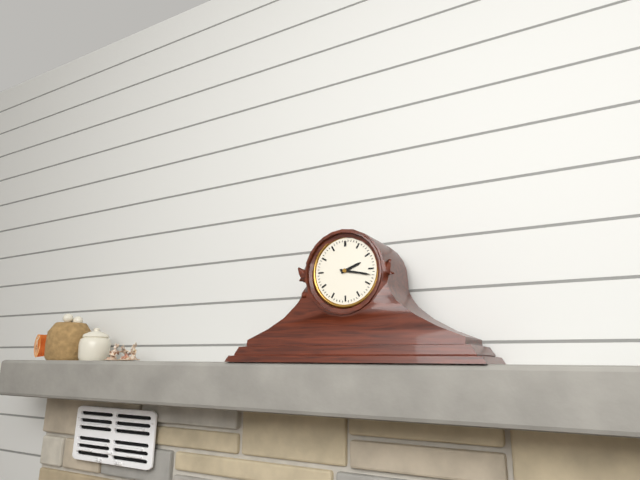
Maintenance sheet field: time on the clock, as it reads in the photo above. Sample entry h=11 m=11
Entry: h=2 m=17
